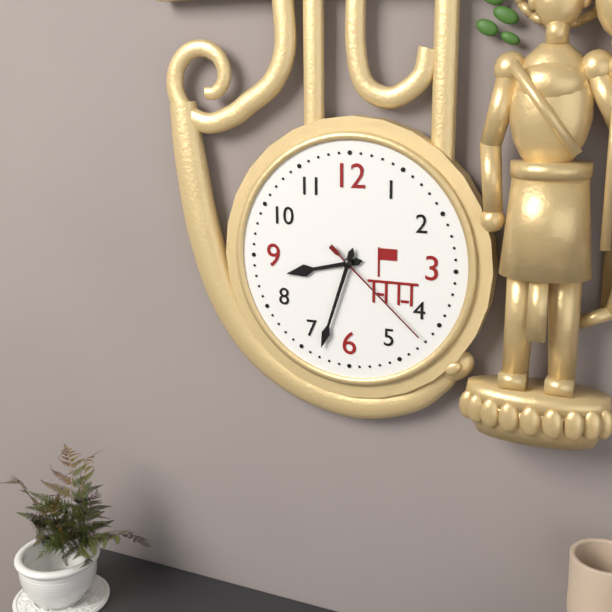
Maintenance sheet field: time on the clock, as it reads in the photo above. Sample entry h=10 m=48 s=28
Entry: h=8 m=33 s=22
